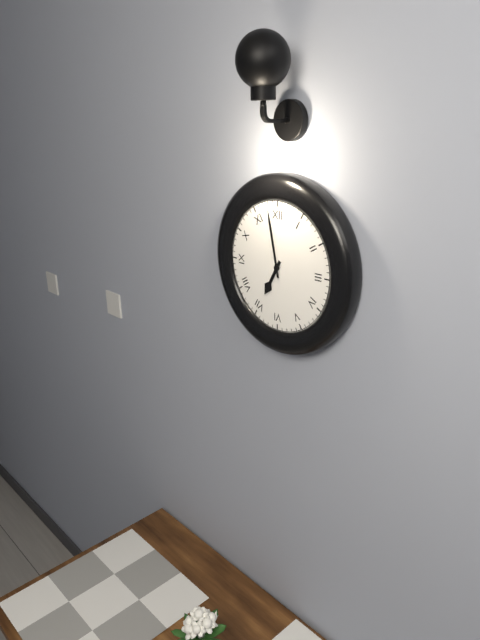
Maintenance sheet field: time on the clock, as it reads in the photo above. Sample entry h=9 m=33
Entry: h=6 m=58
